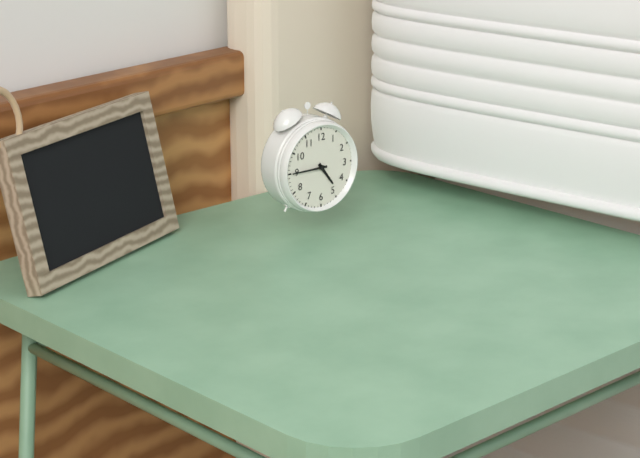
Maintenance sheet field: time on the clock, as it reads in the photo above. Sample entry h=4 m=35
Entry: h=4 m=45
